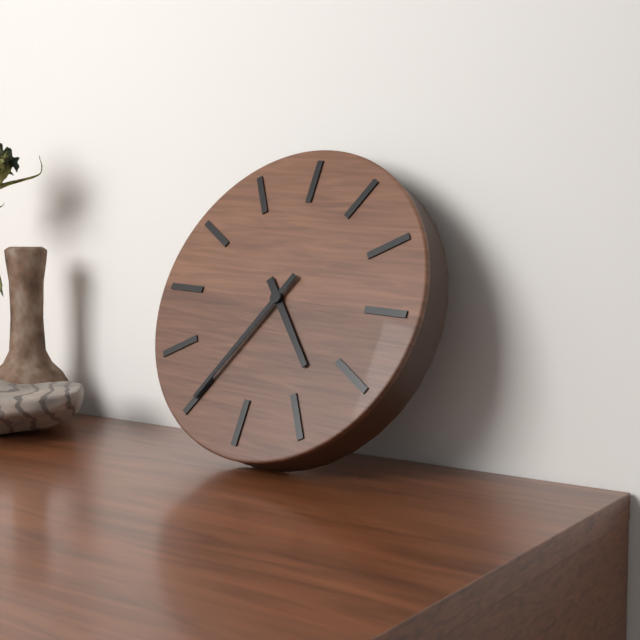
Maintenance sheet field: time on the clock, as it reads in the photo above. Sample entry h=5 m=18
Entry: h=4 m=35
